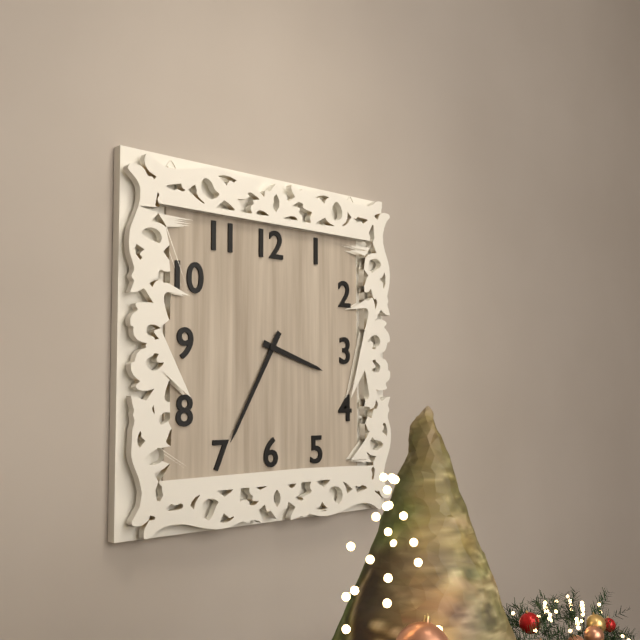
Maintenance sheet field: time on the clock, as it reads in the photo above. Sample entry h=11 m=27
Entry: h=3 m=35
